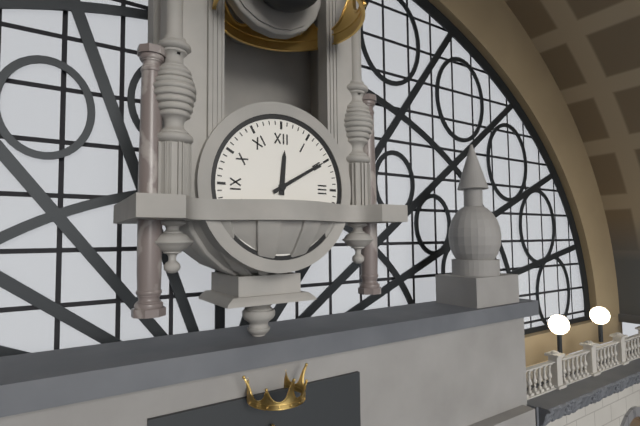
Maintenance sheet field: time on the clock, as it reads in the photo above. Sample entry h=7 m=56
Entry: h=12 m=10
